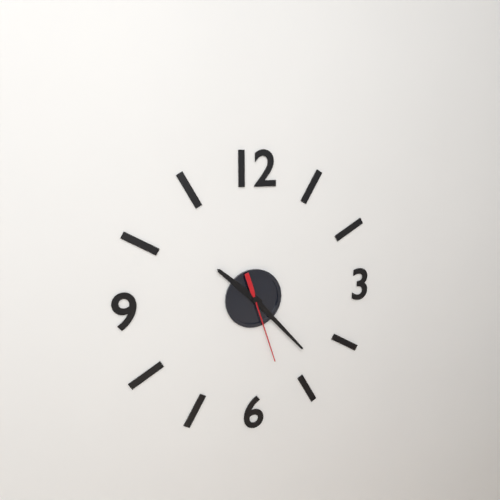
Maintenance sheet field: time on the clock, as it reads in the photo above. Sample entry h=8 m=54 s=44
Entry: h=10 m=23 s=27
